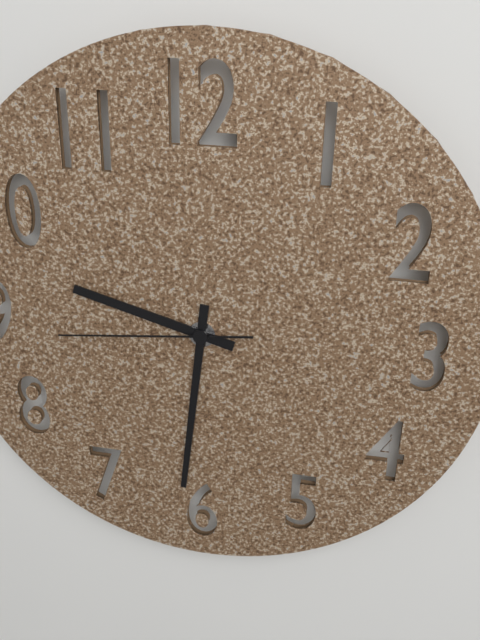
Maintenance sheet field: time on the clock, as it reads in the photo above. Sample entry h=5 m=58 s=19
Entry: h=9 m=31 s=44
